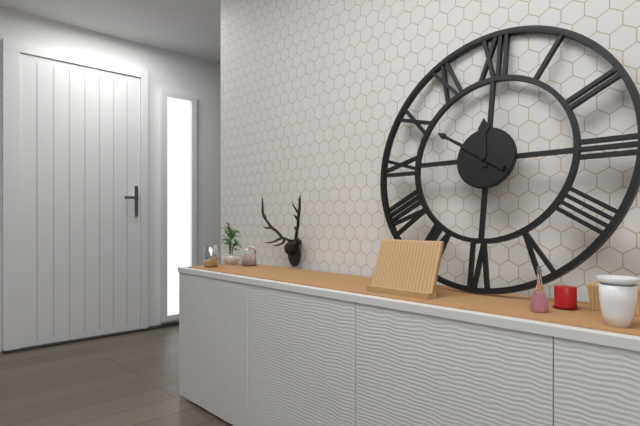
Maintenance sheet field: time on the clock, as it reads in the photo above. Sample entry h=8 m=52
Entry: h=11 m=50
